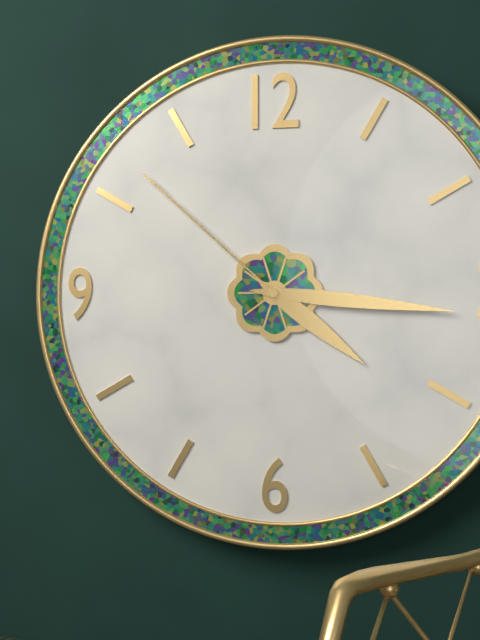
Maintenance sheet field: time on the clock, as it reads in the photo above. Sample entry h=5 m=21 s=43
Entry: h=4 m=16 s=52
